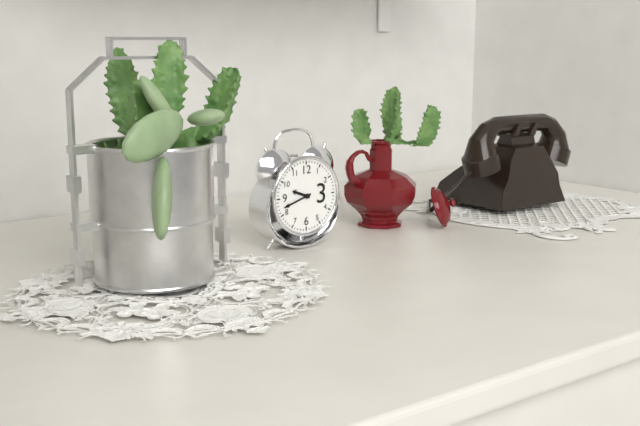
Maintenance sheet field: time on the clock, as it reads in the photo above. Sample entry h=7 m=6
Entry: h=9 m=42
